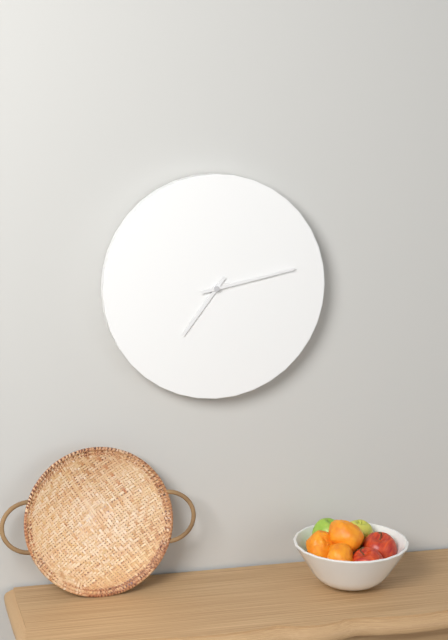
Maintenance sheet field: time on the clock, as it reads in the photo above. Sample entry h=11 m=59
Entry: h=7 m=13
